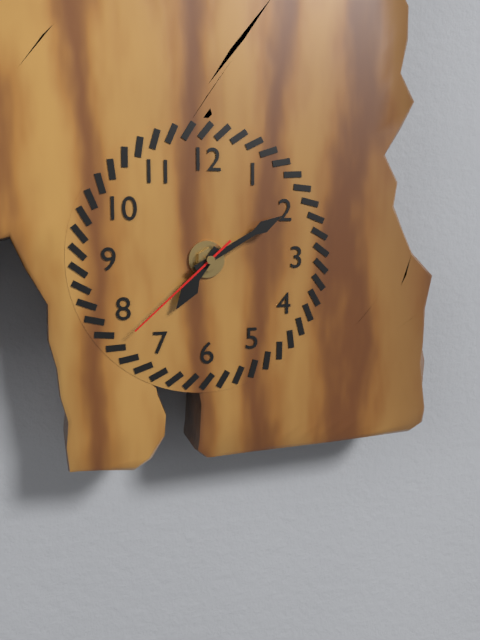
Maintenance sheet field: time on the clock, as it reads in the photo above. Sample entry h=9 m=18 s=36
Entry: h=7 m=10 s=38
